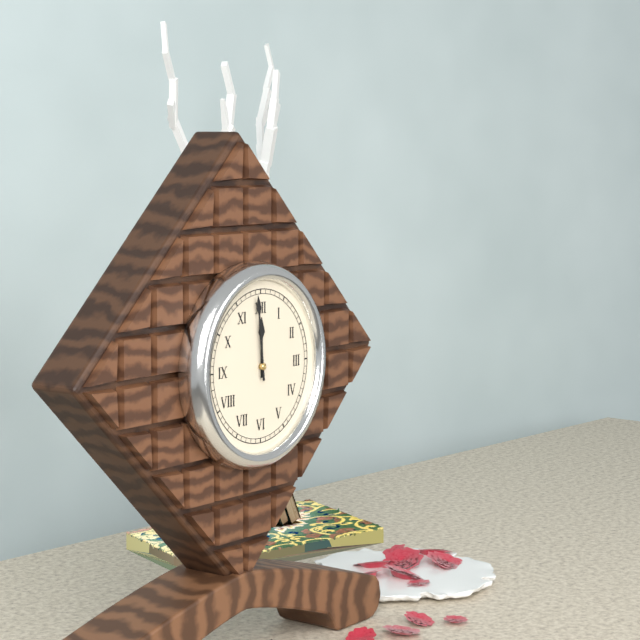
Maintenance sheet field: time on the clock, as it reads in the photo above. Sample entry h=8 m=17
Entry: h=11 m=59
